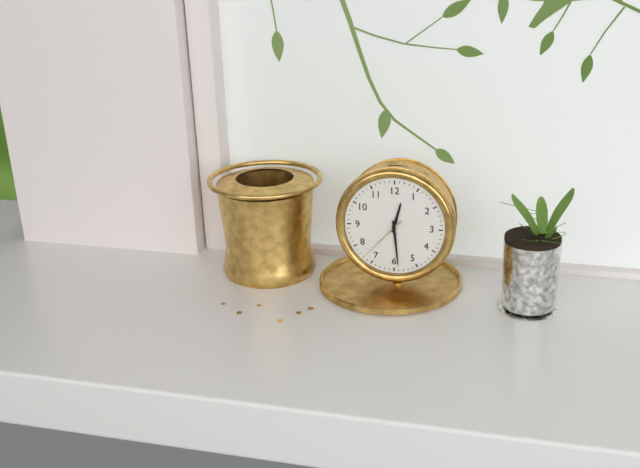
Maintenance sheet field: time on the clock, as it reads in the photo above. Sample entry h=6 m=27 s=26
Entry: h=12 m=29 s=37
